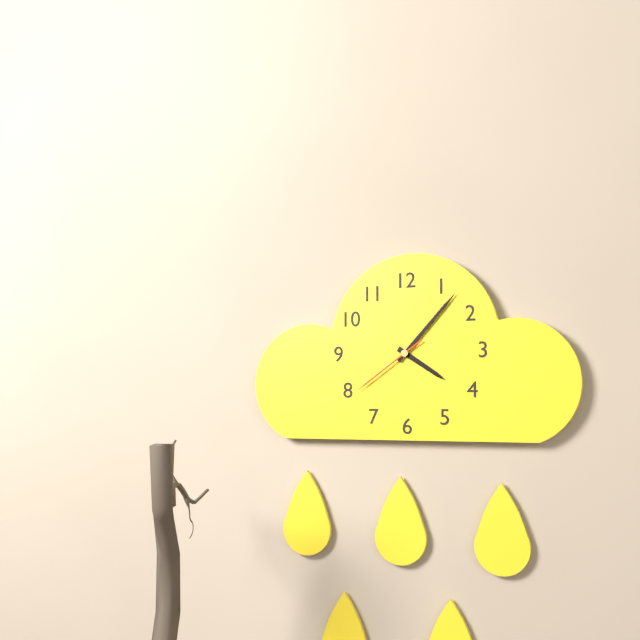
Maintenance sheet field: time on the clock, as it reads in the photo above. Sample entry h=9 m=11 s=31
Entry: h=4 m=7 s=39
